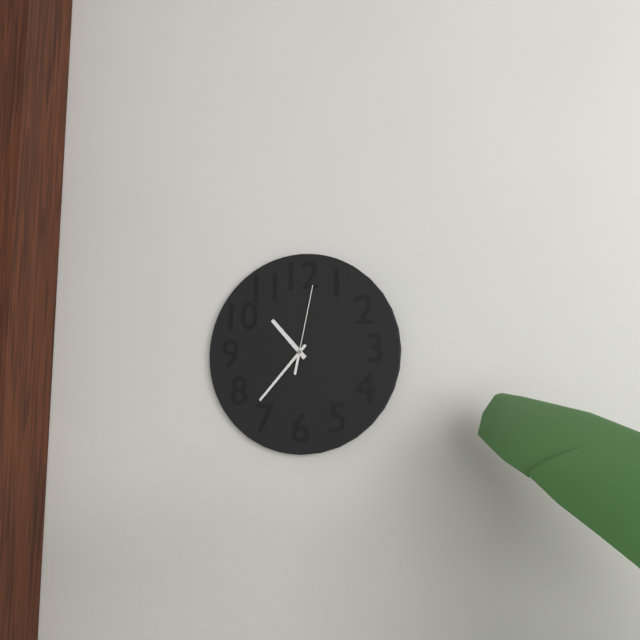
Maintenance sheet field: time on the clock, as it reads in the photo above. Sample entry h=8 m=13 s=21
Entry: h=10 m=37 s=2
